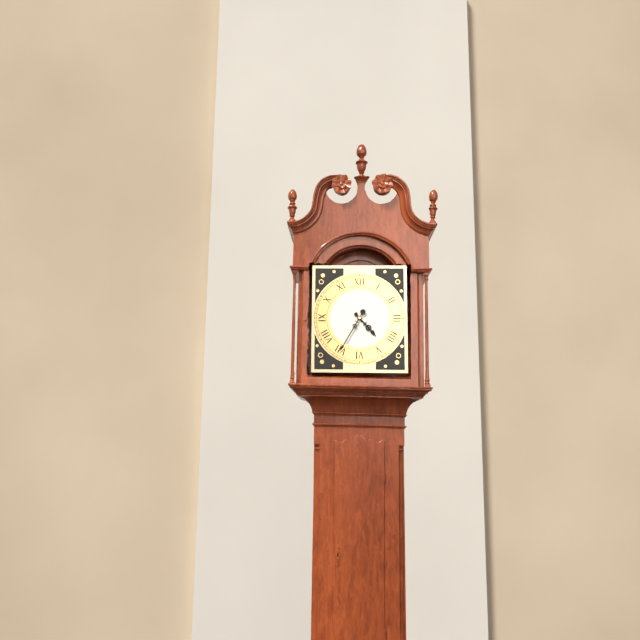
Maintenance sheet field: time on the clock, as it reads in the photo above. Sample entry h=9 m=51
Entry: h=4 m=35
